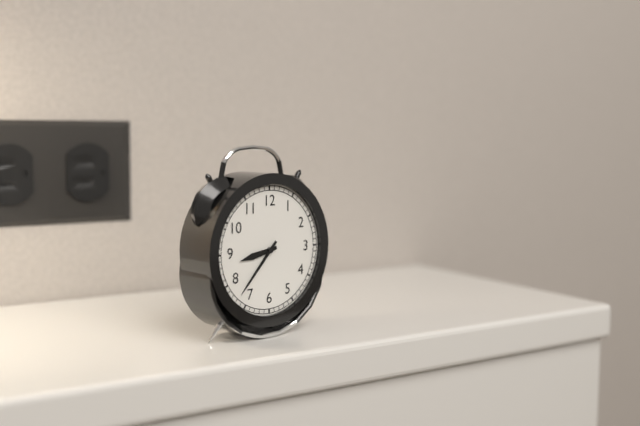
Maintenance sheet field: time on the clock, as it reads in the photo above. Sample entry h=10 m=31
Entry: h=8 m=37
